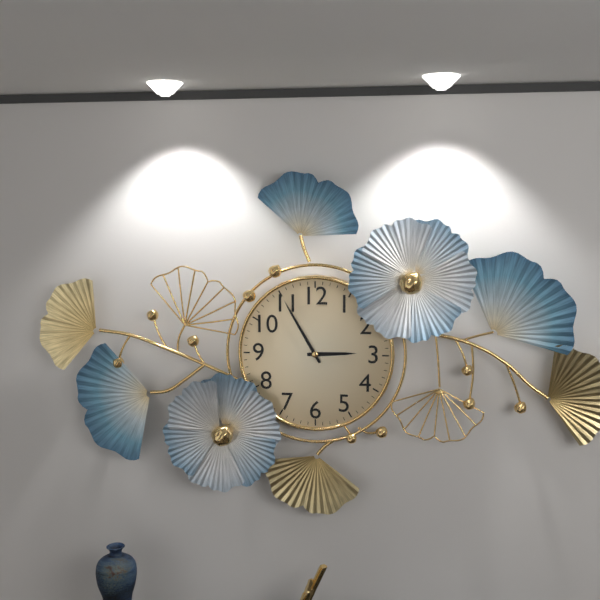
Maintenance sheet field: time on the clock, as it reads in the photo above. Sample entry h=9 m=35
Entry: h=2 m=55
